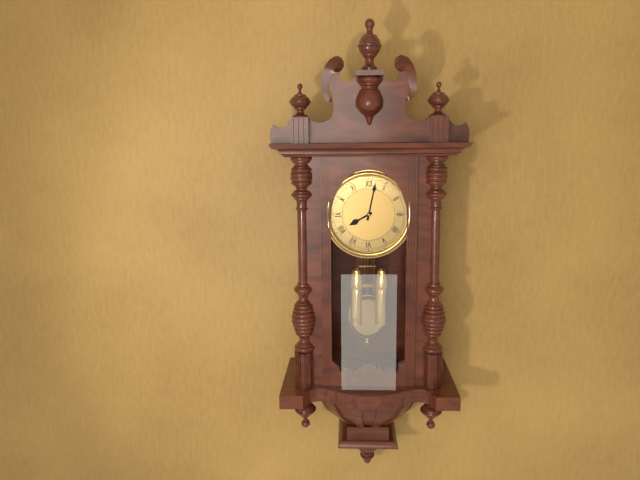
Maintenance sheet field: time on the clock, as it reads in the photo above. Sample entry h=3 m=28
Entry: h=8 m=2
